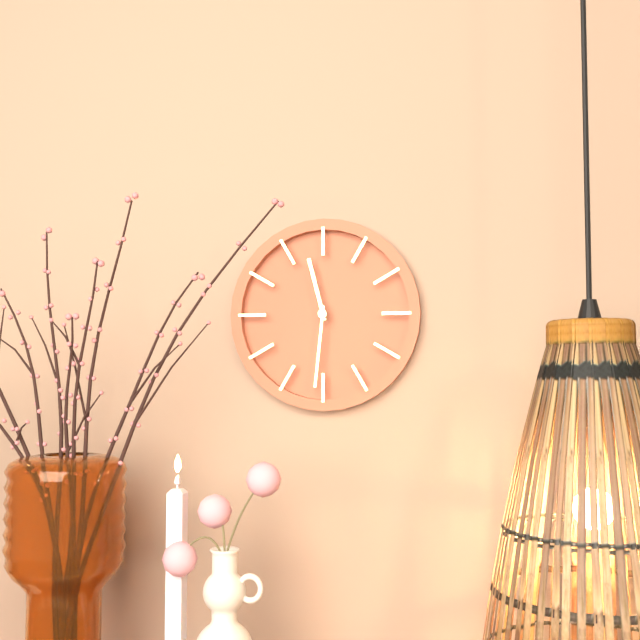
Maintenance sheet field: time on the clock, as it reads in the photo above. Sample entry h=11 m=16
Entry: h=11 m=31
